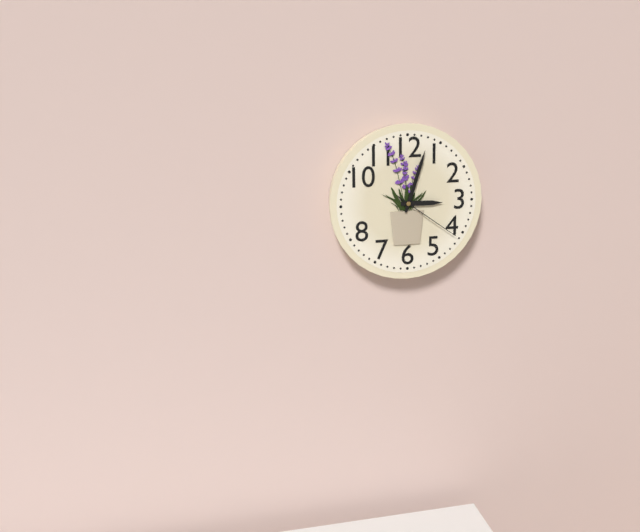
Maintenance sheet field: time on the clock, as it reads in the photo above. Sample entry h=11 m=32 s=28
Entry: h=3 m=3 s=21
